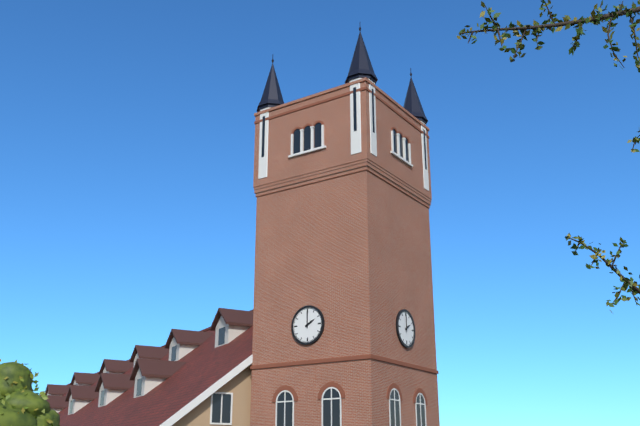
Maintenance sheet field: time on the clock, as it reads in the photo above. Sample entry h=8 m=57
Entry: h=2 m=0
